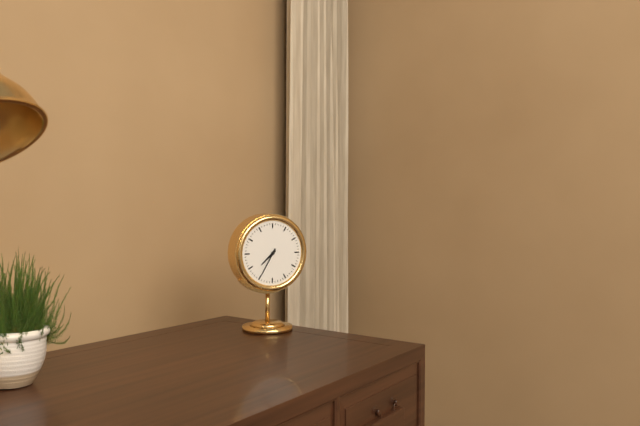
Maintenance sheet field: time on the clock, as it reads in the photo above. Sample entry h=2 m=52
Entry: h=7 m=35
